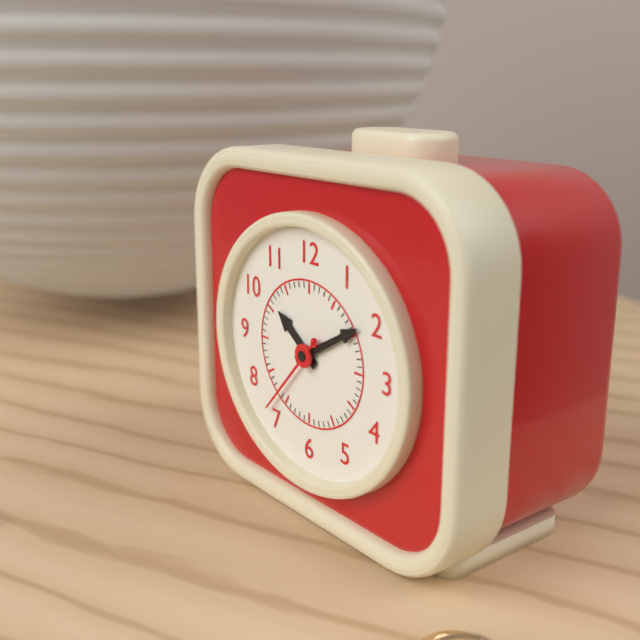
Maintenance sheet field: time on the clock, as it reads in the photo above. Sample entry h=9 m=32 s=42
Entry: h=10 m=10 s=37
